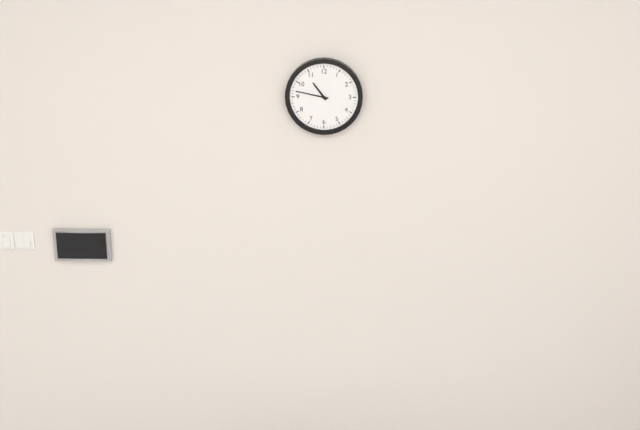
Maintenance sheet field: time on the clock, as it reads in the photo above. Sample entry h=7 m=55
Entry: h=10 m=47
